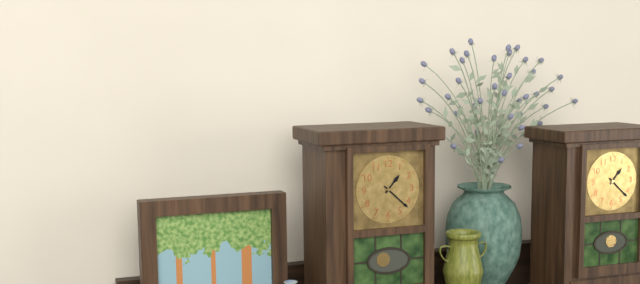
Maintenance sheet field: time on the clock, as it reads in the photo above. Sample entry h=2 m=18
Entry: h=1 m=22
